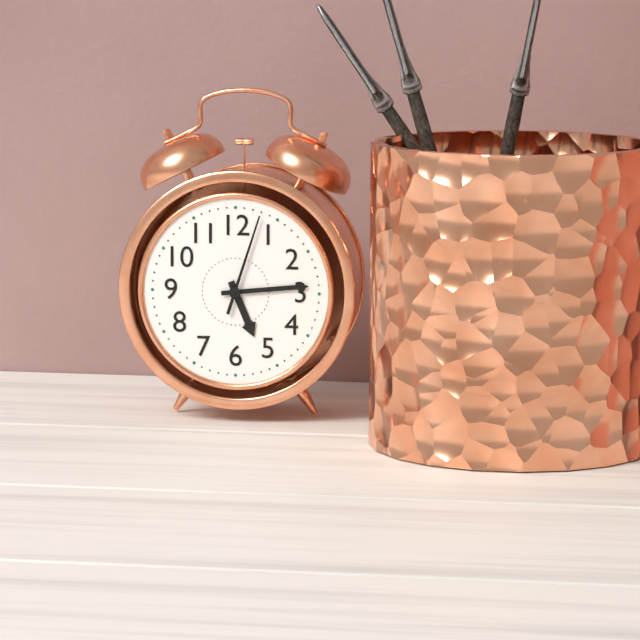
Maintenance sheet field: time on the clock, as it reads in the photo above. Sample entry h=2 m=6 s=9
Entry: h=5 m=14 s=3
